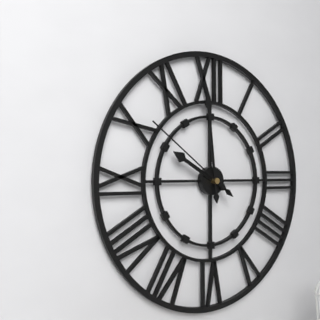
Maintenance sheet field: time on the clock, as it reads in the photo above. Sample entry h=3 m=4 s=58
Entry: h=9 m=59 s=51
